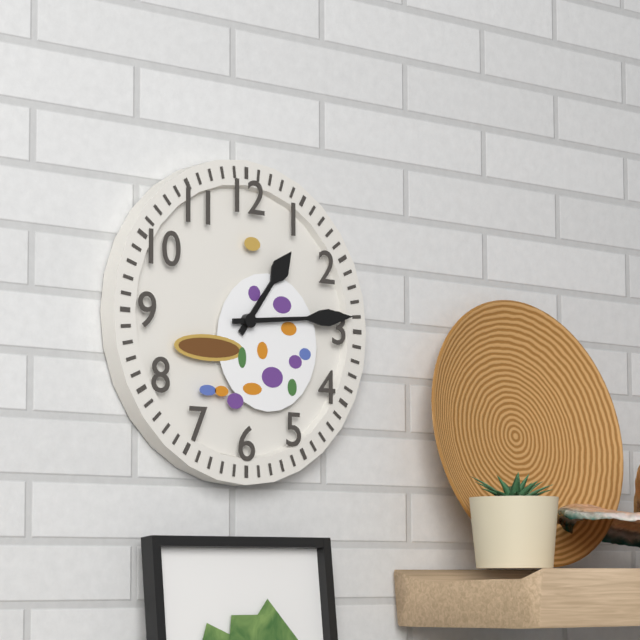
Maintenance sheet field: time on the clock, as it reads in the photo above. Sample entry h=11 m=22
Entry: h=1 m=14
